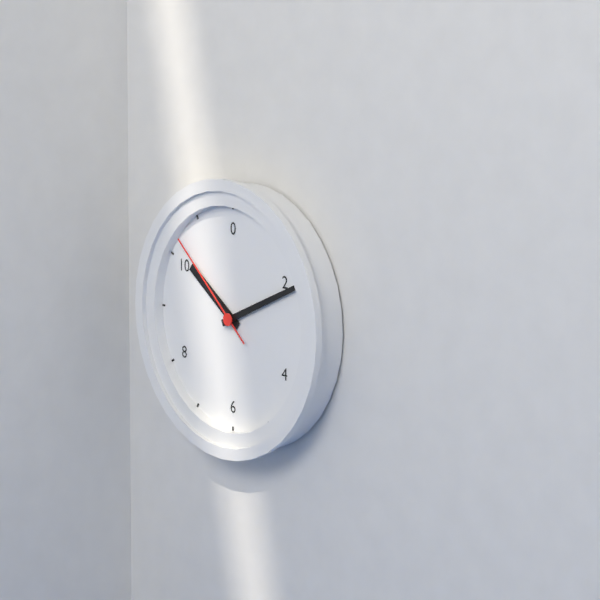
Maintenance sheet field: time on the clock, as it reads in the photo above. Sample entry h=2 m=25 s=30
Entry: h=10 m=11 s=52
